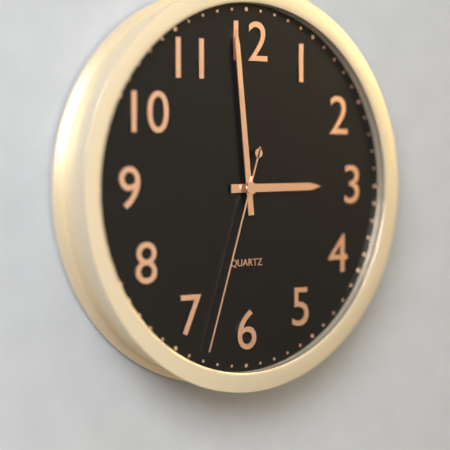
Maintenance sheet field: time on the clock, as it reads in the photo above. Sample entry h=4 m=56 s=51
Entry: h=2 m=59 s=33
